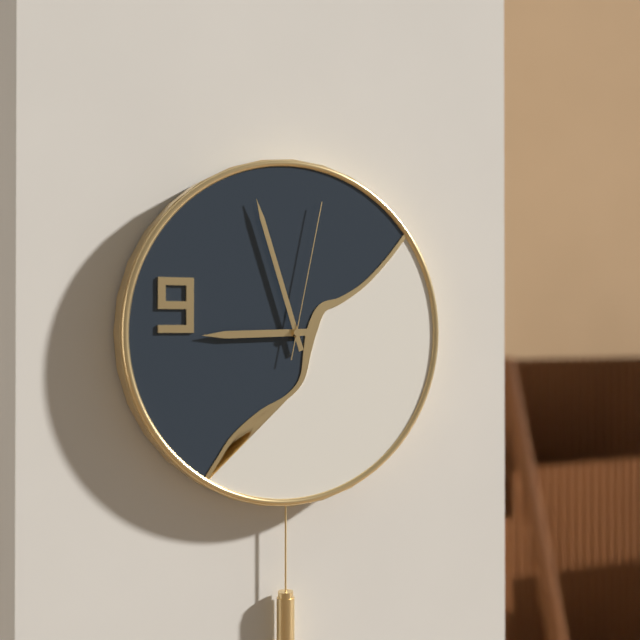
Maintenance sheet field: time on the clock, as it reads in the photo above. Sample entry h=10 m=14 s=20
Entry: h=8 m=57 s=2
